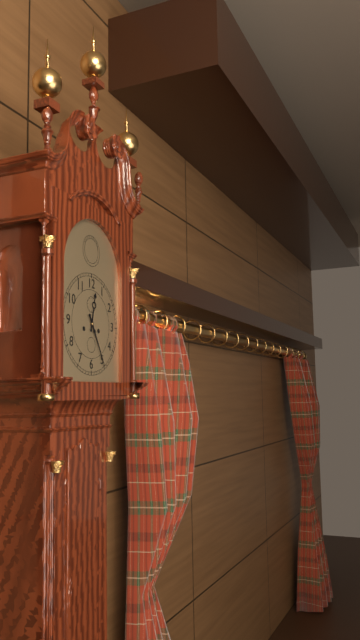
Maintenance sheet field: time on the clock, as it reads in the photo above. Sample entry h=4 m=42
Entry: h=12 m=25
